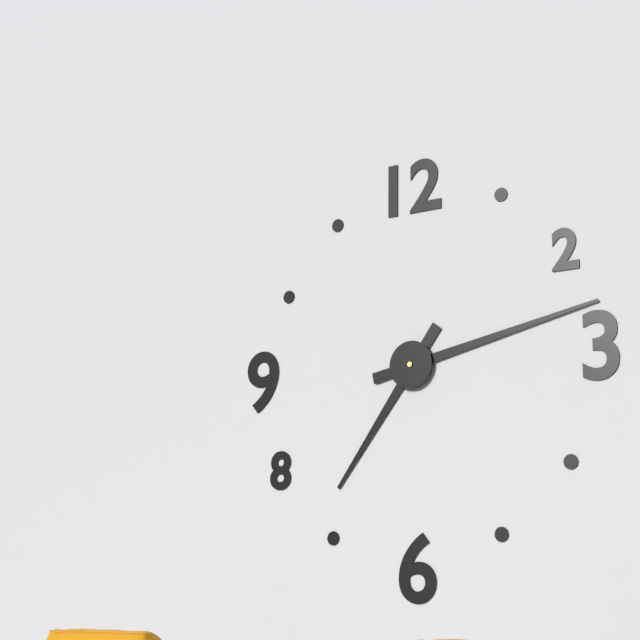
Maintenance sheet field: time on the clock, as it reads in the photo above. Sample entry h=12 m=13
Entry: h=7 m=13
